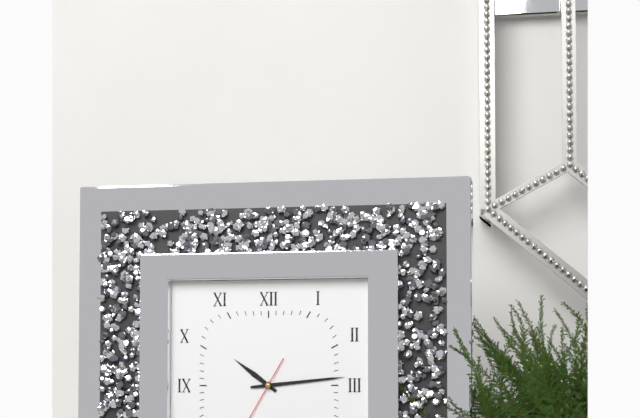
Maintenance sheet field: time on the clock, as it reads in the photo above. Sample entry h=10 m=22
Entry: h=10 m=14
